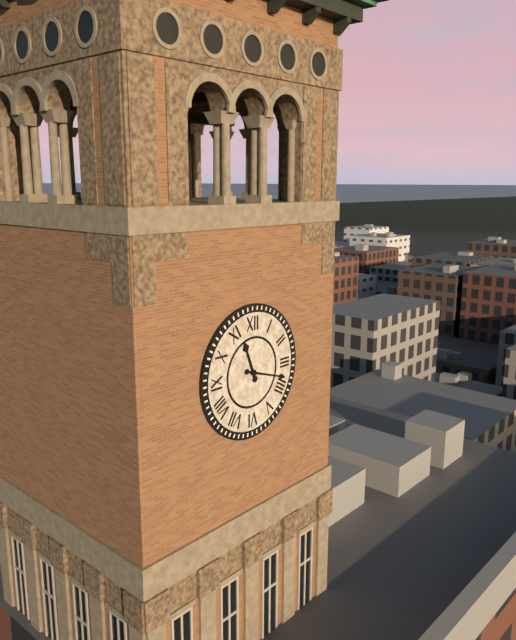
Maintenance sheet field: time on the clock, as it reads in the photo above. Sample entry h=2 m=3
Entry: h=11 m=18
